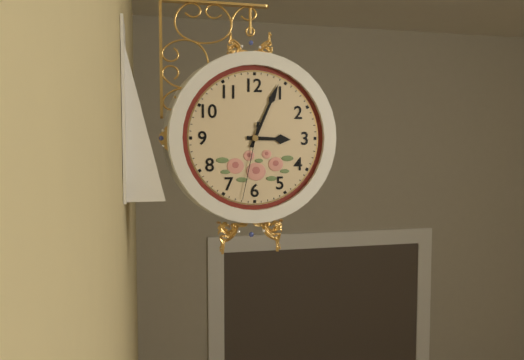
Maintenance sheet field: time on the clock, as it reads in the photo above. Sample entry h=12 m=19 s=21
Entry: h=3 m=4 s=32
